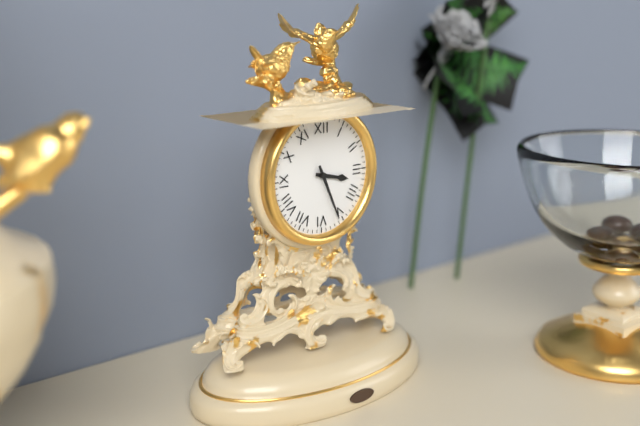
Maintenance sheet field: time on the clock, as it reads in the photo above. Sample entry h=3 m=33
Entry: h=3 m=26
